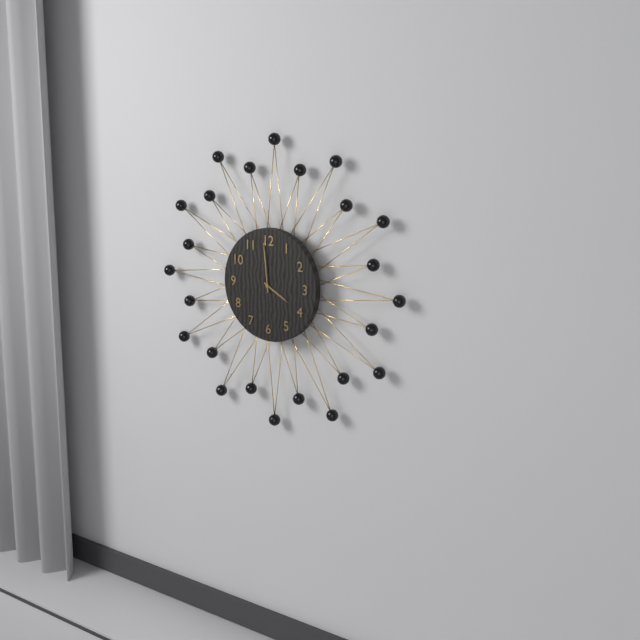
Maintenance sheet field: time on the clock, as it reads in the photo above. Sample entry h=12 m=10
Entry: h=3 m=59
